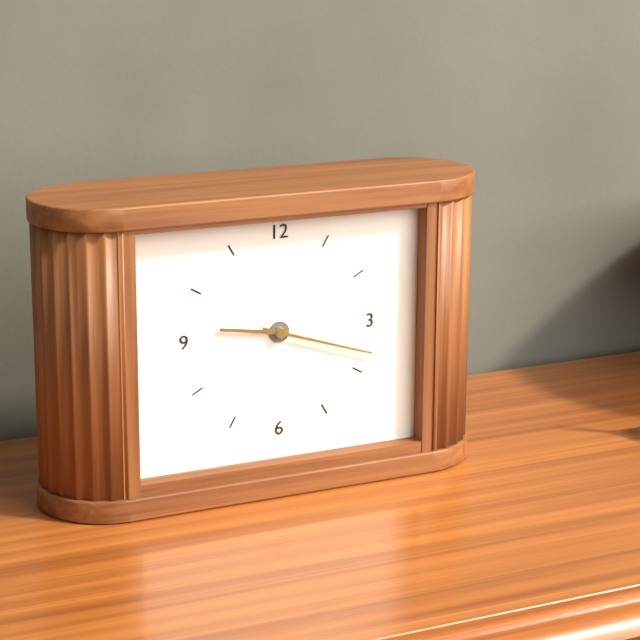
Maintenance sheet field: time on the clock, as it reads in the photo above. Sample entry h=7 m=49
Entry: h=9 m=18
